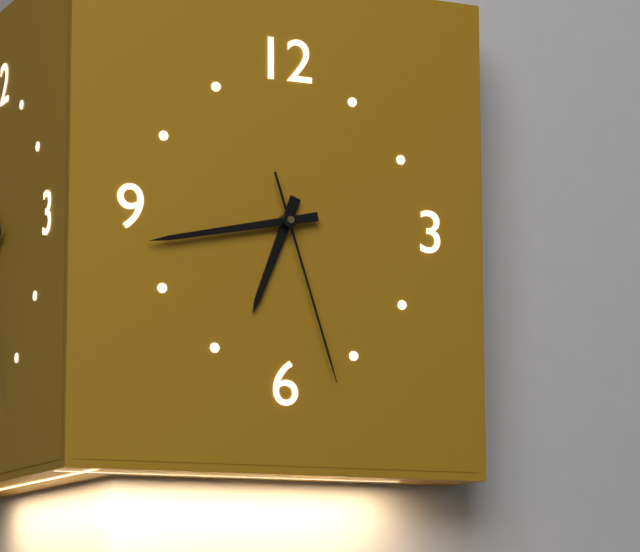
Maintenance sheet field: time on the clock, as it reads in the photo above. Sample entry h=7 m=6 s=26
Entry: h=6 m=43 s=27
